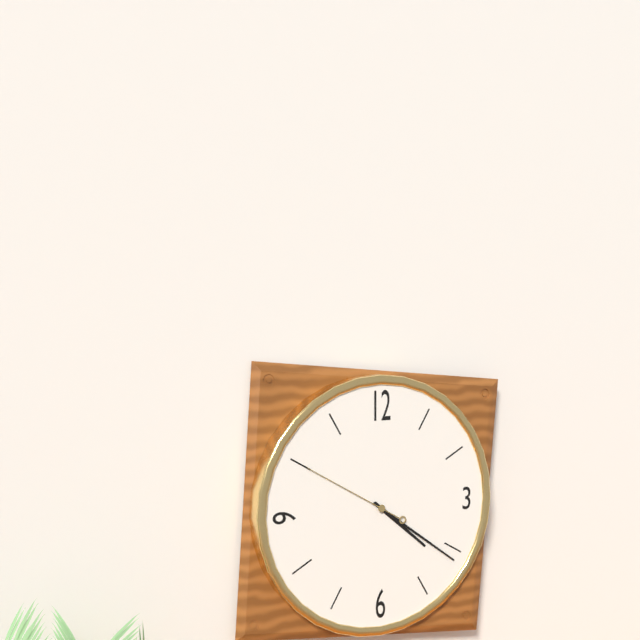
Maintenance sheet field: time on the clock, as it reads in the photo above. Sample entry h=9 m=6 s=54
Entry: h=4 m=21 s=50
